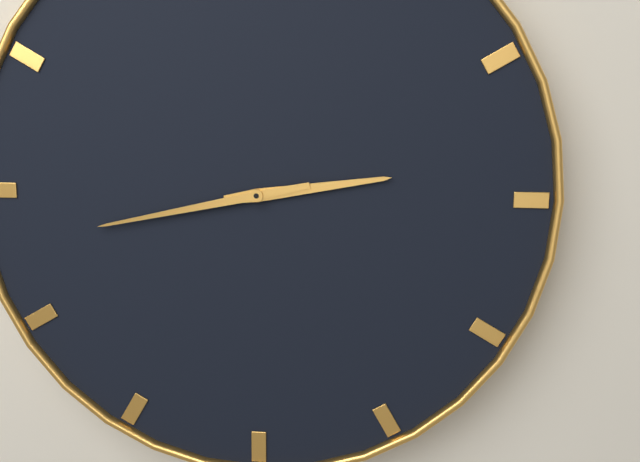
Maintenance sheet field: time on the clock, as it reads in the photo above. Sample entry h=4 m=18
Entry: h=2 m=43
